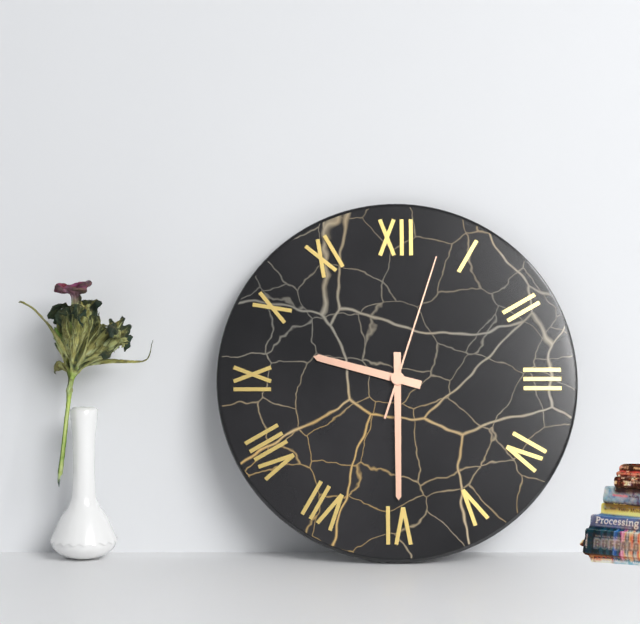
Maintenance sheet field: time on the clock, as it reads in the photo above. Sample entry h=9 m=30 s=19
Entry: h=9 m=30 s=3
